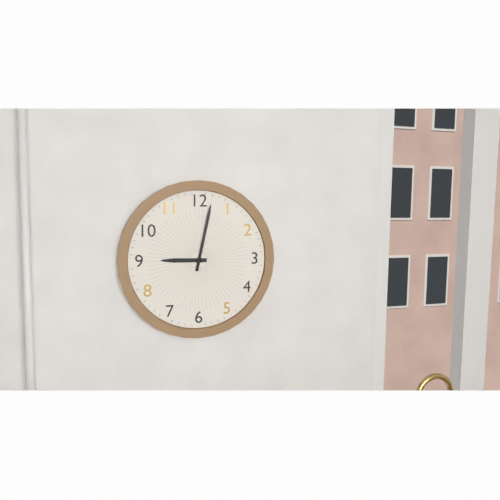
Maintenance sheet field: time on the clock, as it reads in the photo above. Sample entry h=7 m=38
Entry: h=9 m=2
